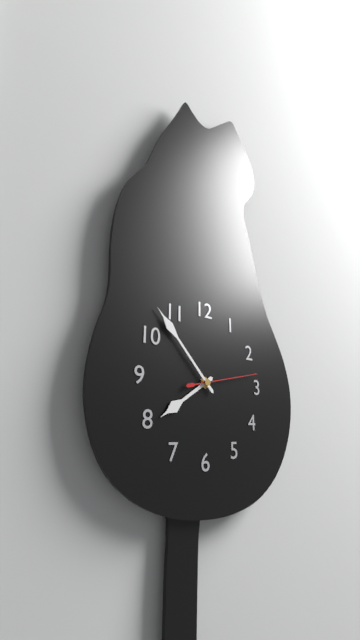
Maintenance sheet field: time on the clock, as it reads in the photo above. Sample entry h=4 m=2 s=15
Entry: h=7 m=53 s=13
